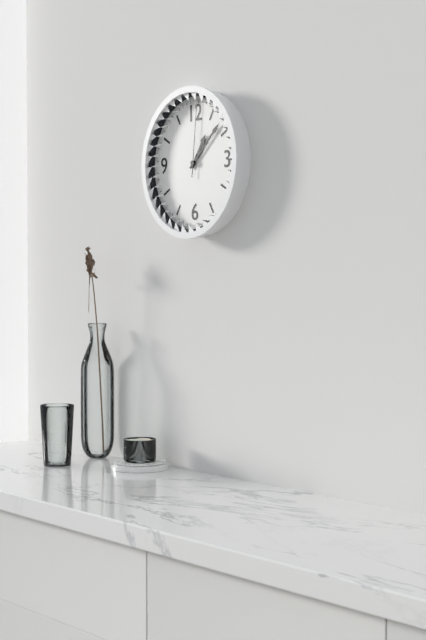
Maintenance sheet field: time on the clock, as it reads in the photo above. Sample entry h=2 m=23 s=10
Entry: h=1 m=8 s=1
